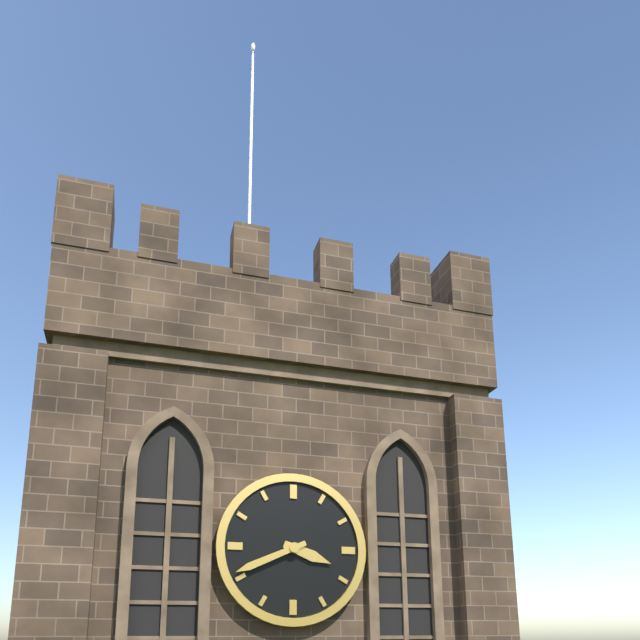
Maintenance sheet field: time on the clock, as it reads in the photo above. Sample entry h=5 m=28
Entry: h=3 m=41
